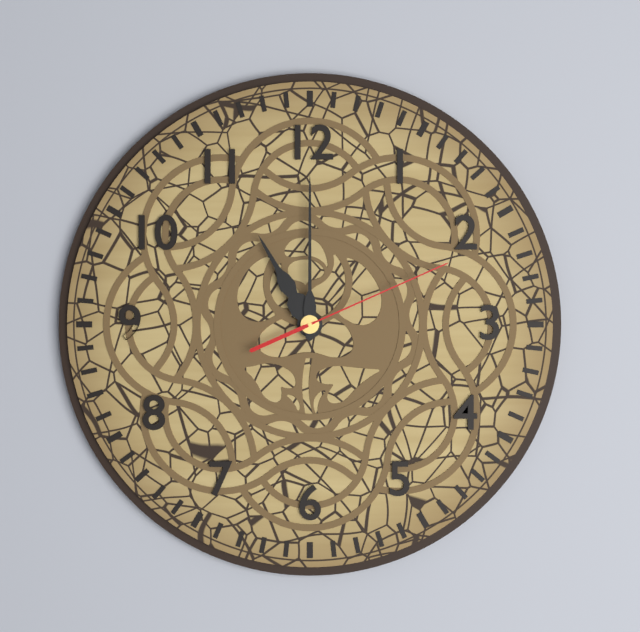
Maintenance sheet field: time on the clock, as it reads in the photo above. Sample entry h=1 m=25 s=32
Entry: h=11 m=0 s=11
